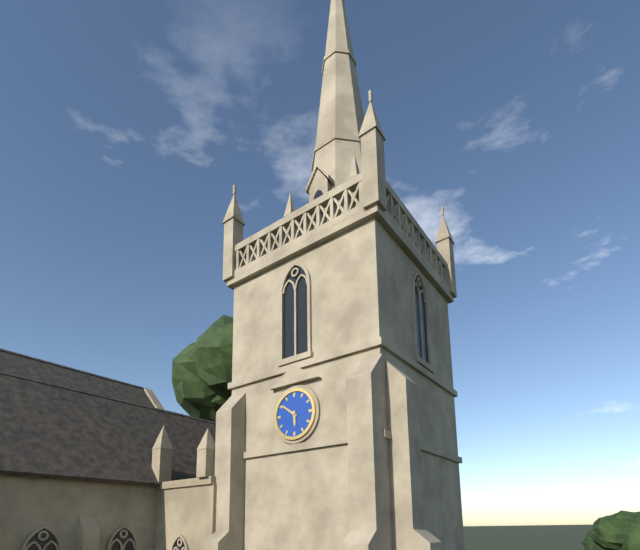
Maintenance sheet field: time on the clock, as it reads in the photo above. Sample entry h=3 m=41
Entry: h=5 m=51
